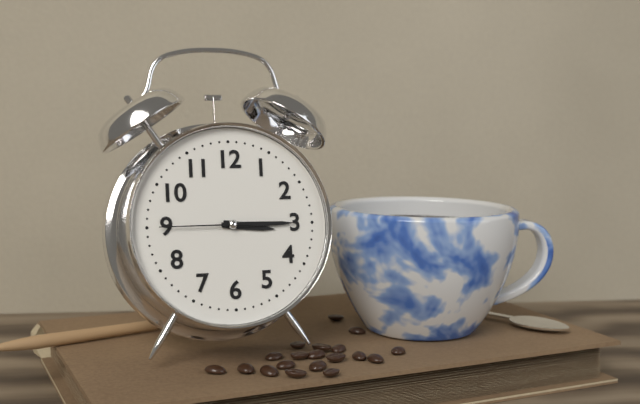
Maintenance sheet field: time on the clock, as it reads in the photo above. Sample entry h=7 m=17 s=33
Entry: h=3 m=15 s=45
